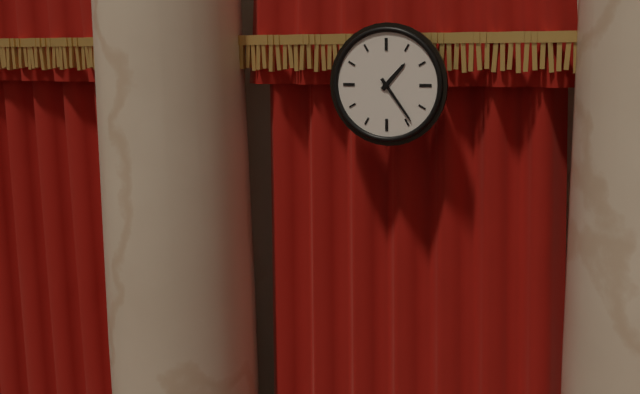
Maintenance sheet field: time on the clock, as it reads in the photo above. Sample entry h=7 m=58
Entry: h=1 m=24
